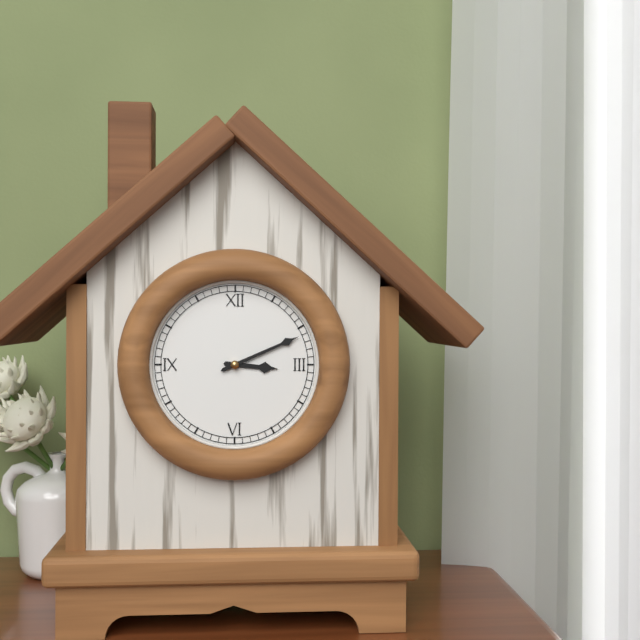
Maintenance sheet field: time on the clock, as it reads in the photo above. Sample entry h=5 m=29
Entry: h=3 m=11
